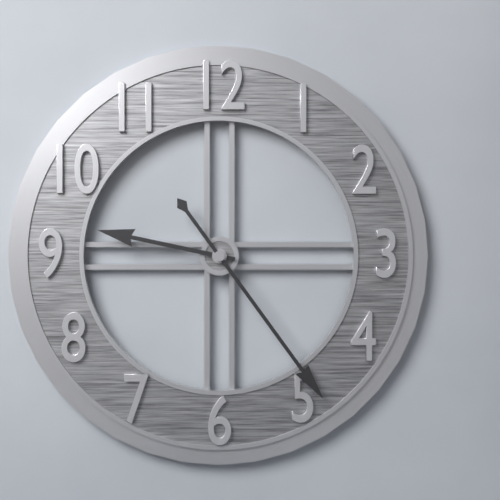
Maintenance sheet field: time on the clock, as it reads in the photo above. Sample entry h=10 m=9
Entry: h=9 m=24
